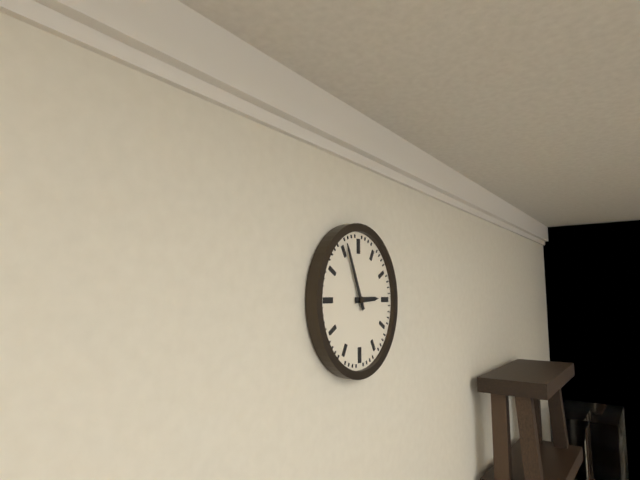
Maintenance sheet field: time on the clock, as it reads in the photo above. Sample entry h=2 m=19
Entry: h=2 m=56
